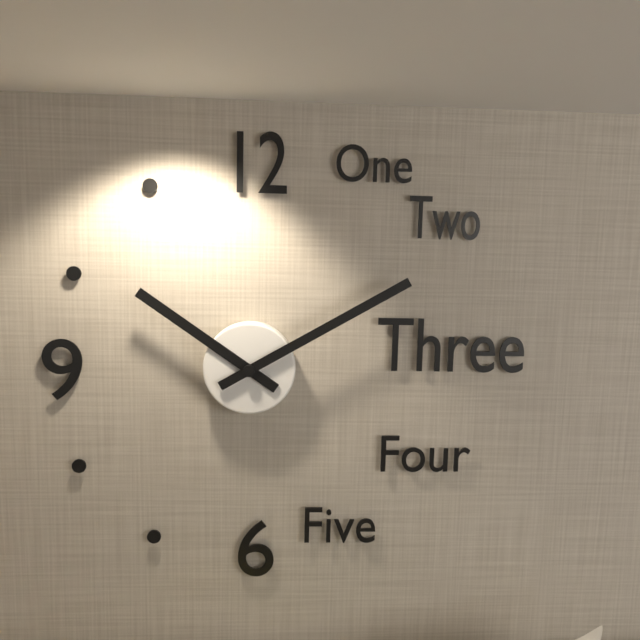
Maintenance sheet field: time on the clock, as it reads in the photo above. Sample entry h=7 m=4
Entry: h=10 m=10
